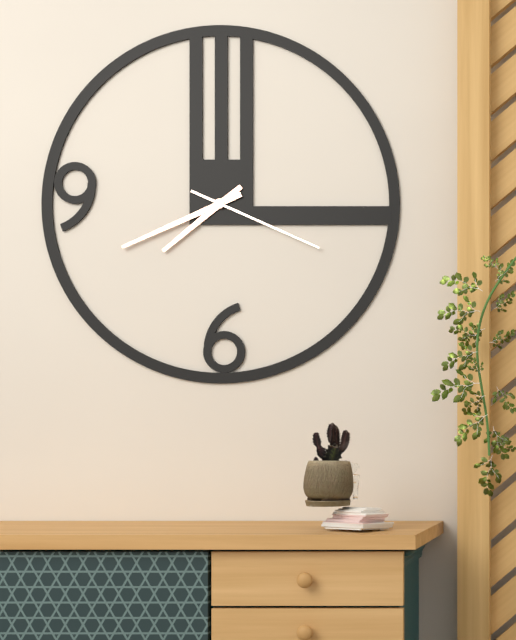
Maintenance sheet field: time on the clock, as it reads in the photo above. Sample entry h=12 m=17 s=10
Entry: h=7 m=41 s=19
